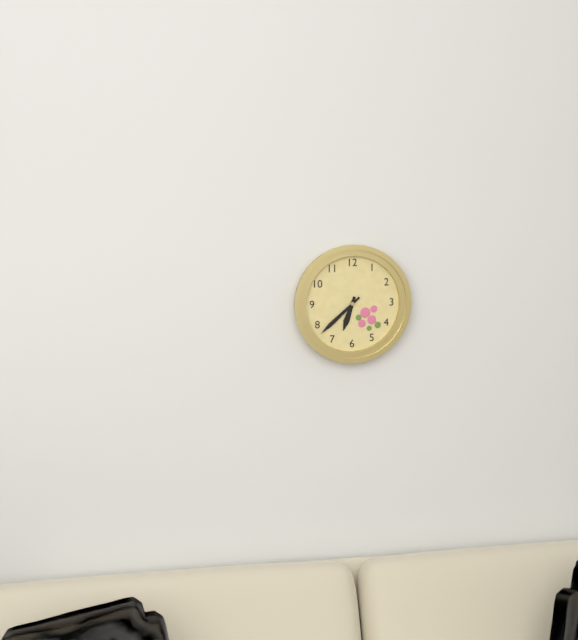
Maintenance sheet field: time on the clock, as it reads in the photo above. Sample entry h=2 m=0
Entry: h=6 m=38
